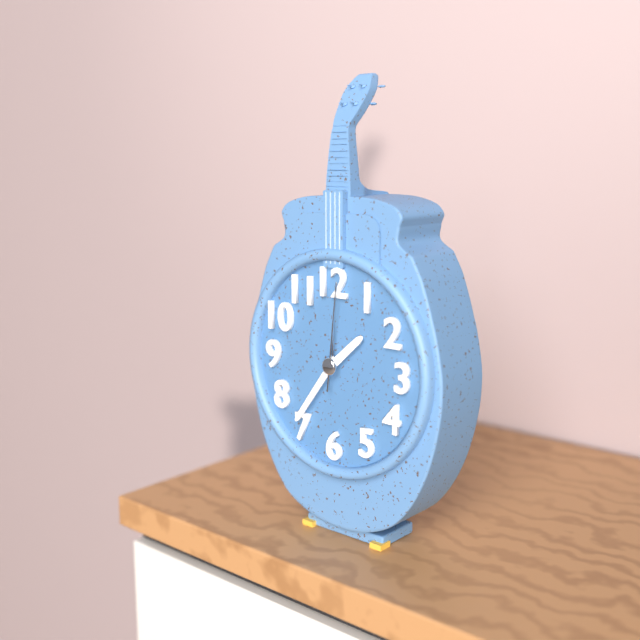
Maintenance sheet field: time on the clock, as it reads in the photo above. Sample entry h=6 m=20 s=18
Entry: h=1 m=36 s=1
